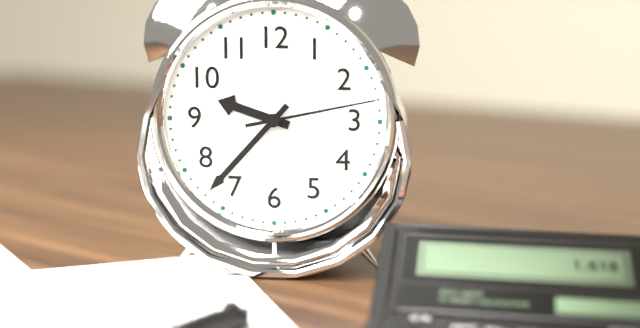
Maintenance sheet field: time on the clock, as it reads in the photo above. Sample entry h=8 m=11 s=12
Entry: h=9 m=37 s=13
